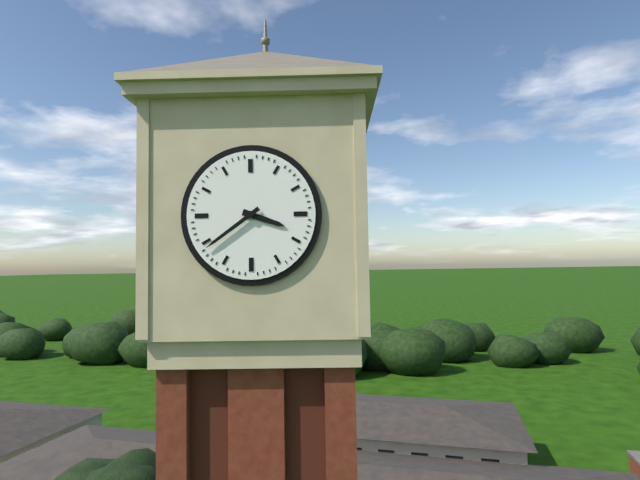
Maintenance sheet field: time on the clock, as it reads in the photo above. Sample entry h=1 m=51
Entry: h=3 m=39
